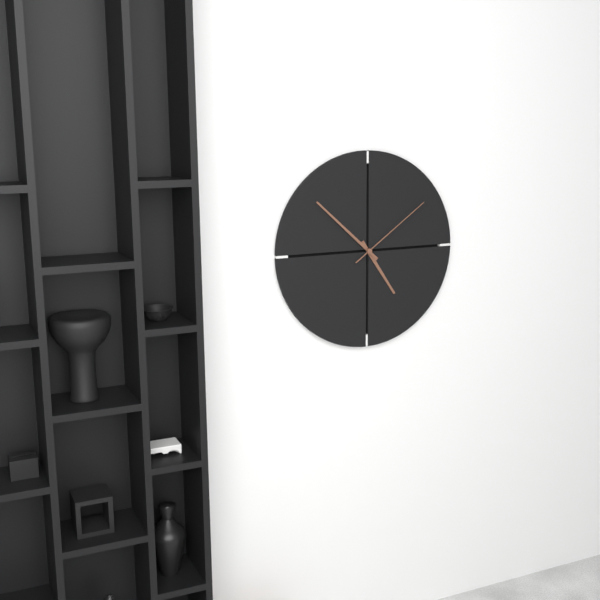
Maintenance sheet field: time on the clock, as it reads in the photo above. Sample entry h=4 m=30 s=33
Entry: h=4 m=52 s=9
